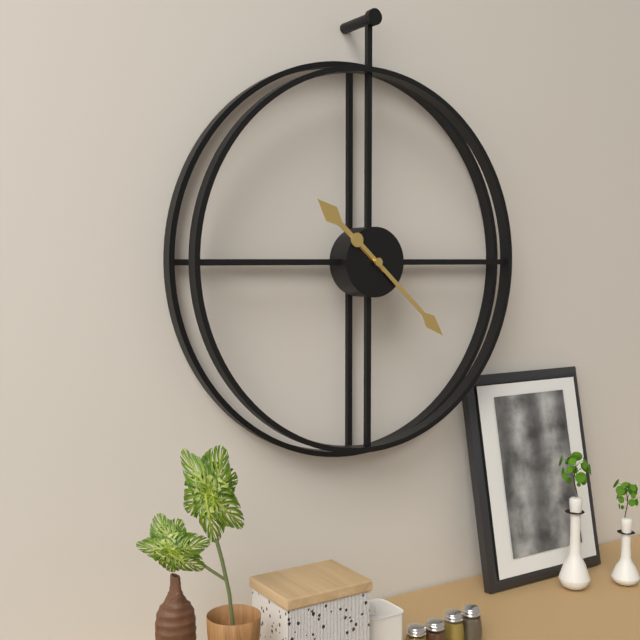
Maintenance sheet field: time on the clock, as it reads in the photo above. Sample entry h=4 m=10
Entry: h=10 m=22
